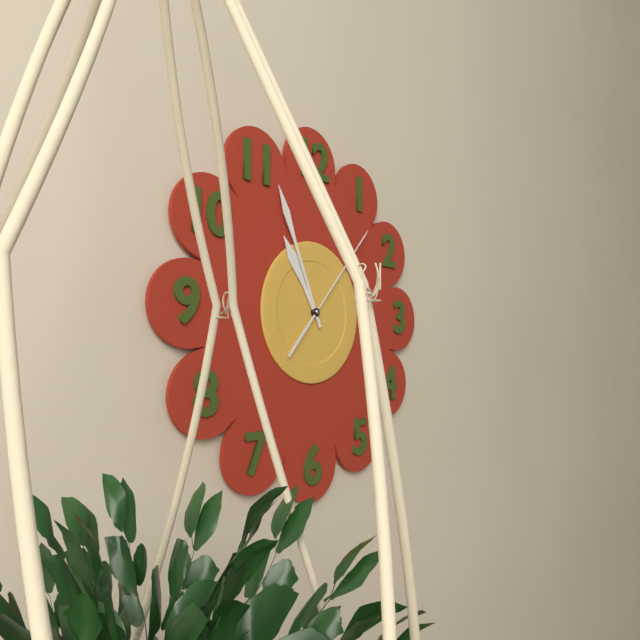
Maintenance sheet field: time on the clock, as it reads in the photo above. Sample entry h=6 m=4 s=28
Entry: h=10 m=56 s=7
